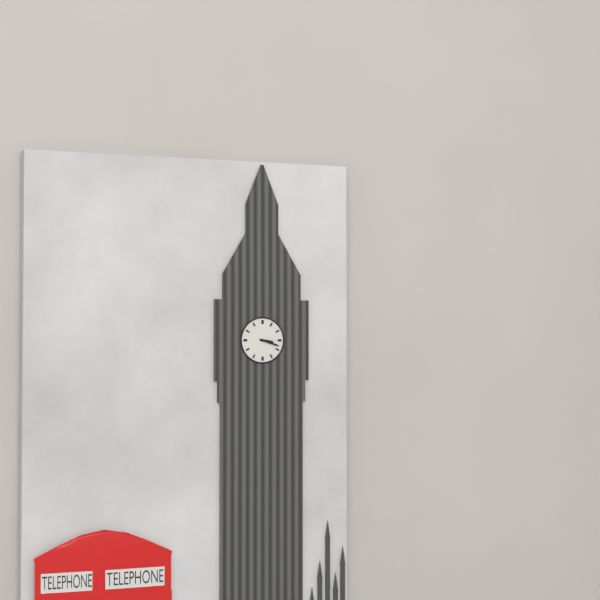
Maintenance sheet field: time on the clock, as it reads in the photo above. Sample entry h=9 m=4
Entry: h=3 m=18
